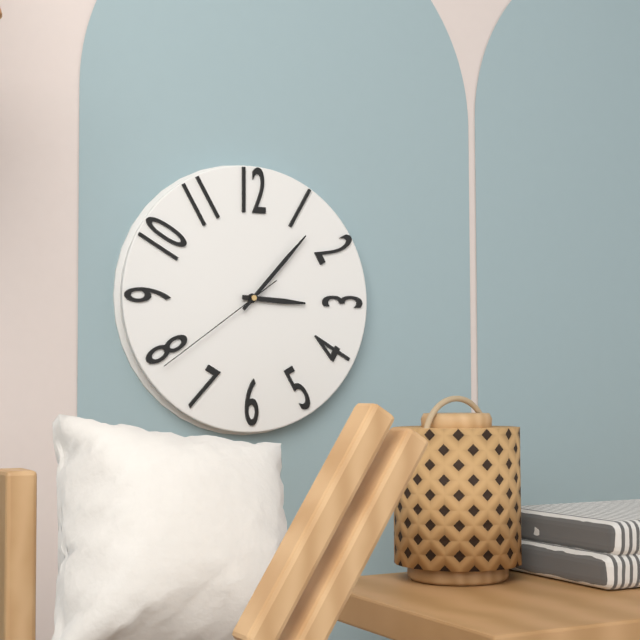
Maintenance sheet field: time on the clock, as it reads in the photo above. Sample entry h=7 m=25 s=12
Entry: h=3 m=7 s=39
